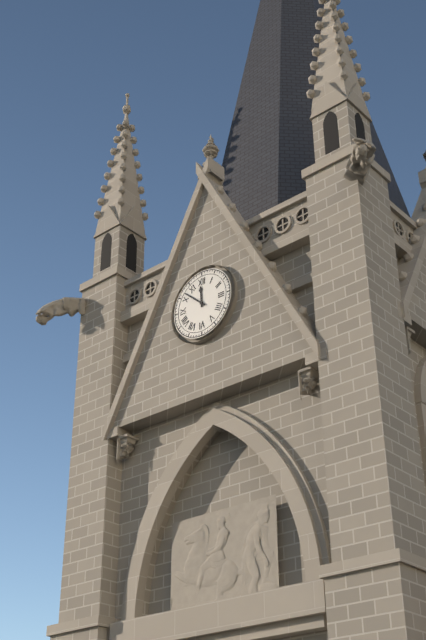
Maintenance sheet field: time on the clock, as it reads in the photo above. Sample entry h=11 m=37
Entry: h=11 m=52
